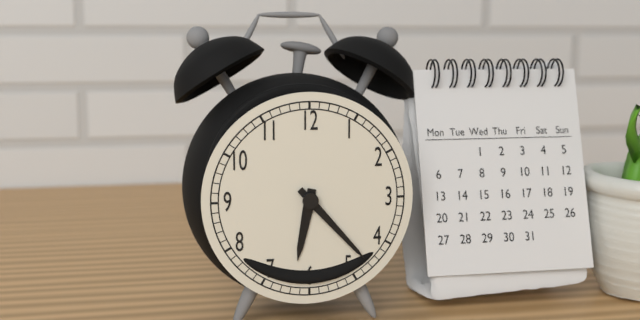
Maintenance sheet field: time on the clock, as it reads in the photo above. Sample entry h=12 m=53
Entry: h=6 m=23
